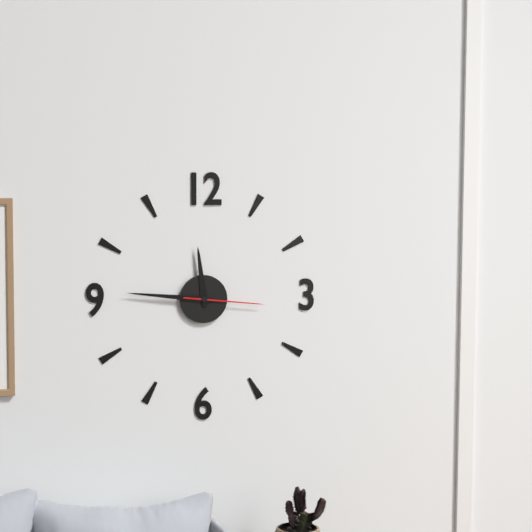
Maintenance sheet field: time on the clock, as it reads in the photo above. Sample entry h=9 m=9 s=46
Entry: h=11 m=46 s=16
